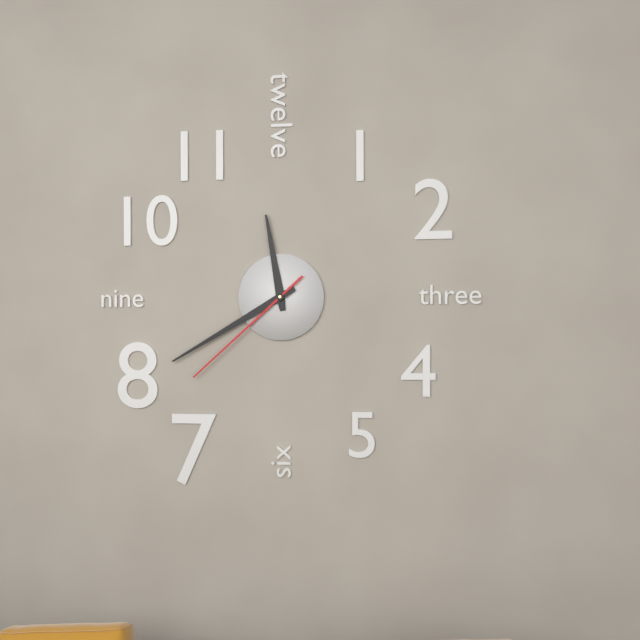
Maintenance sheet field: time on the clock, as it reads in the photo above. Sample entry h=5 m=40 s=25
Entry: h=11 m=40 s=38
